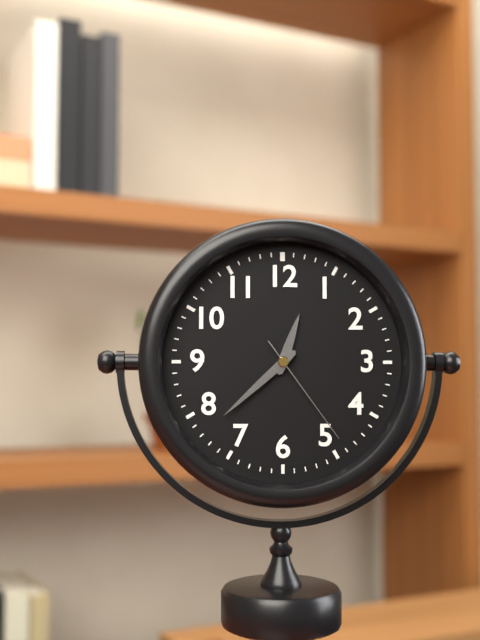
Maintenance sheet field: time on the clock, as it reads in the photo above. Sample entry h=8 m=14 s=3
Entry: h=12 m=38 s=24
